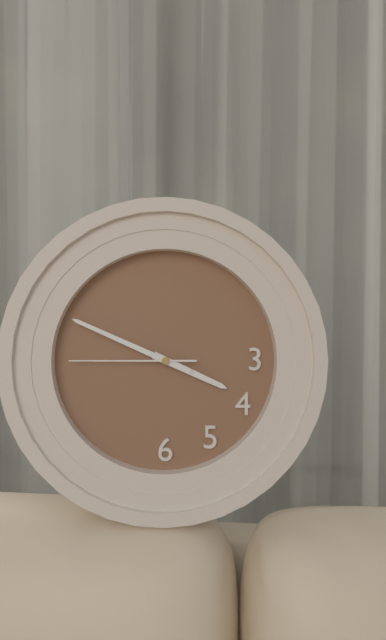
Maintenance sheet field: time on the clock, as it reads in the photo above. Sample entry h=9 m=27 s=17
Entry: h=3 m=49 s=45
